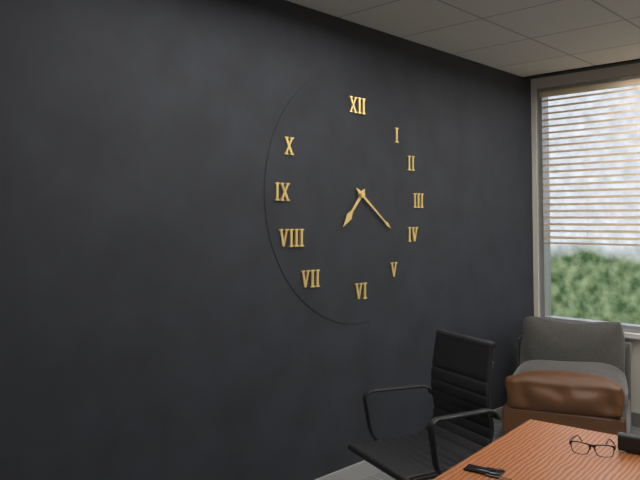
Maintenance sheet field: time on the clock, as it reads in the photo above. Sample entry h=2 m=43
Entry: h=7 m=21
